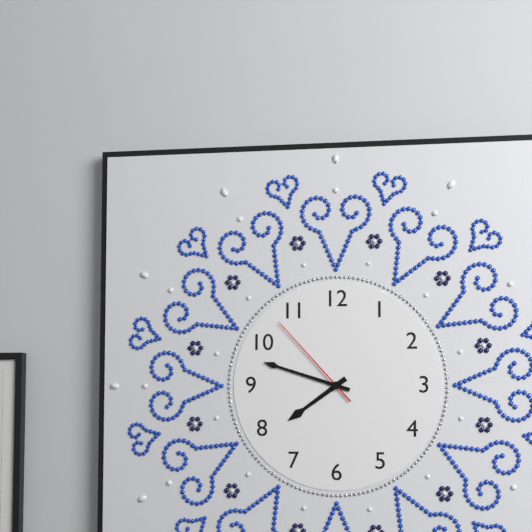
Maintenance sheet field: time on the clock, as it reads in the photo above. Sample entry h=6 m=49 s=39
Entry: h=7 m=48 s=53
